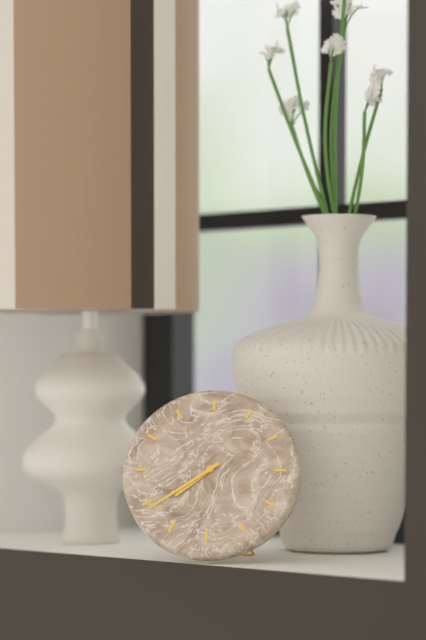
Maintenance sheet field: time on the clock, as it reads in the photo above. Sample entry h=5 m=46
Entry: h=7 m=39
